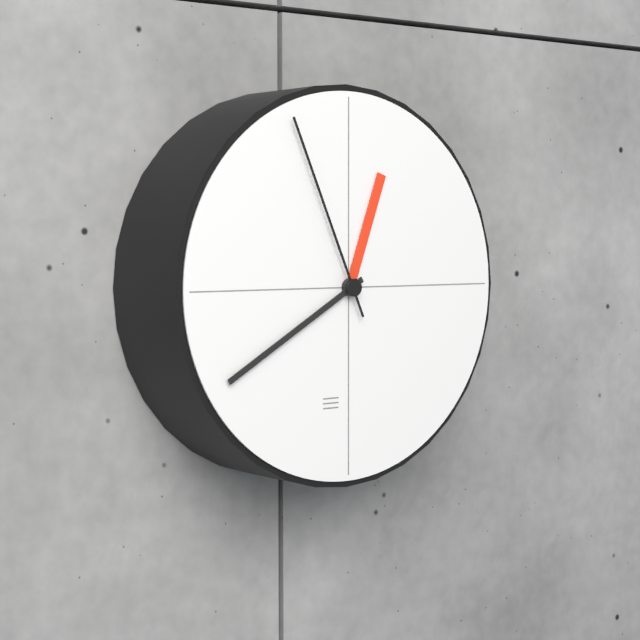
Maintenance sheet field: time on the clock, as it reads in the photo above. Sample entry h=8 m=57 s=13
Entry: h=12 m=40 s=56
